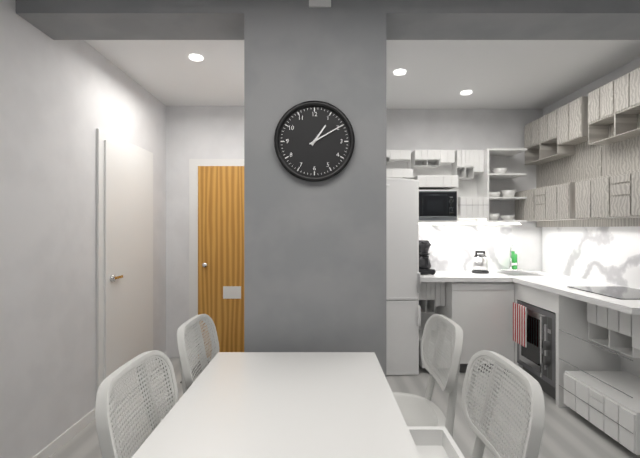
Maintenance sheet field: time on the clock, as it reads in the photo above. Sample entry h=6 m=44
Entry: h=1 m=10
